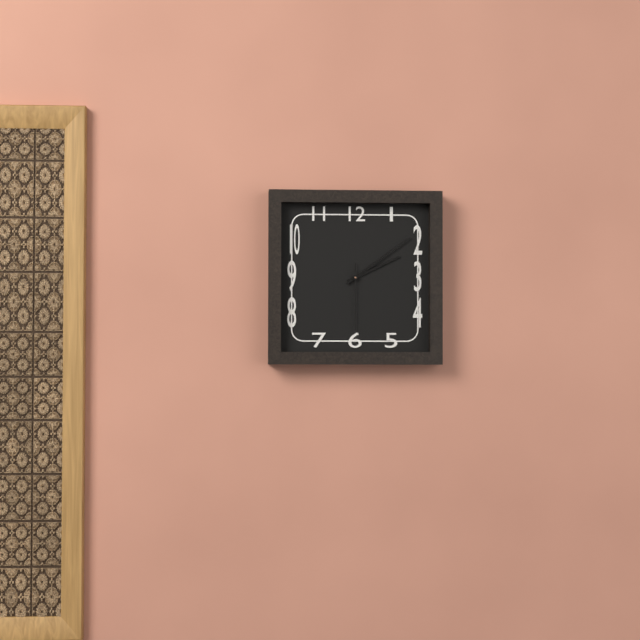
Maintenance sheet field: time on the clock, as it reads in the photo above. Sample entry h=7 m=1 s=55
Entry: h=2 m=9 s=30
